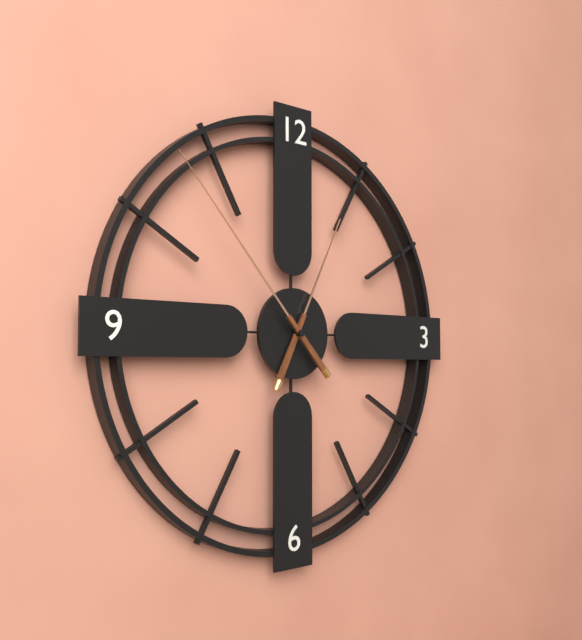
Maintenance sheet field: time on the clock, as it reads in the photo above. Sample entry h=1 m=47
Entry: h=12 m=53
